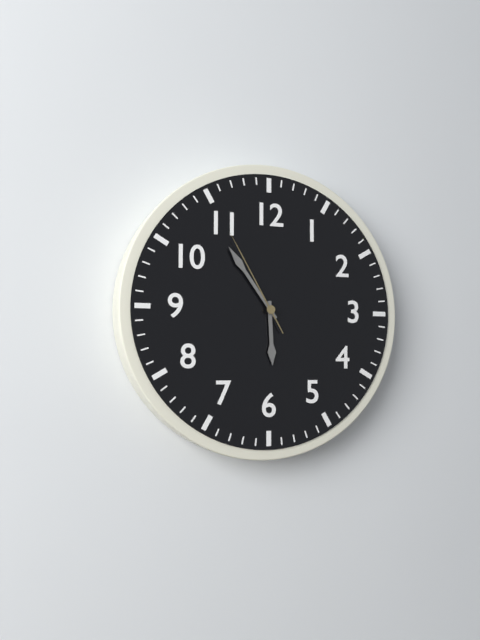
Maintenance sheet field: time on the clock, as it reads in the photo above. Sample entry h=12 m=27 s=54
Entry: h=5 m=54 s=55
